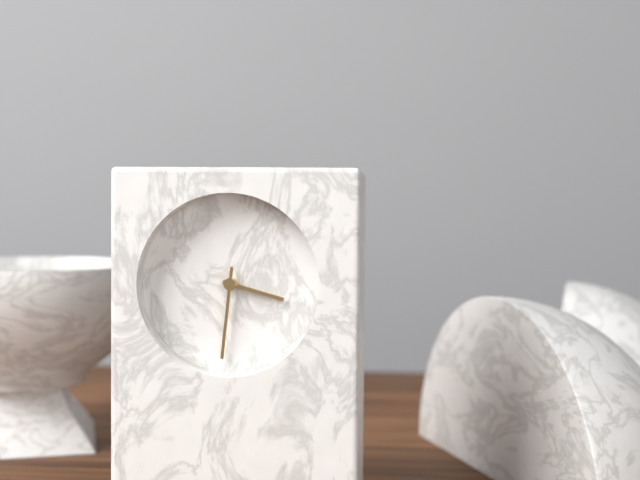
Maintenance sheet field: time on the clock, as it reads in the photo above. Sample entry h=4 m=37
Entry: h=3 m=31
